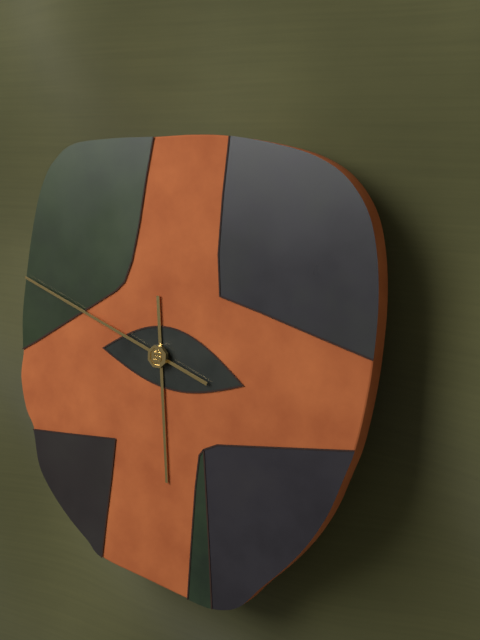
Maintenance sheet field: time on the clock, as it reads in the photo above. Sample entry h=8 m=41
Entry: h=5 m=48
